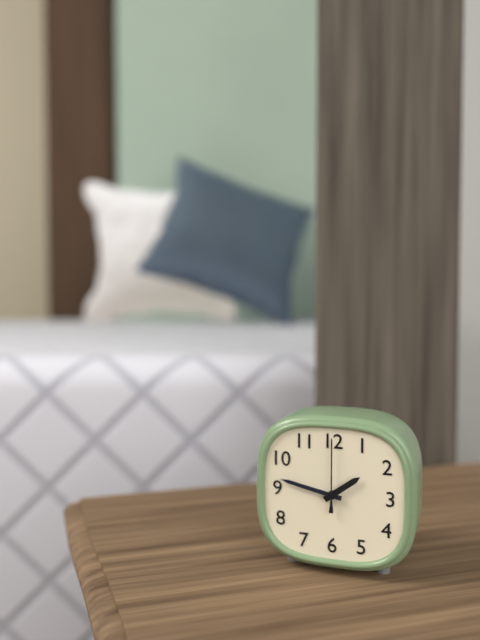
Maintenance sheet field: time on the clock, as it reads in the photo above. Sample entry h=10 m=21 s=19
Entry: h=1 m=47 s=0
